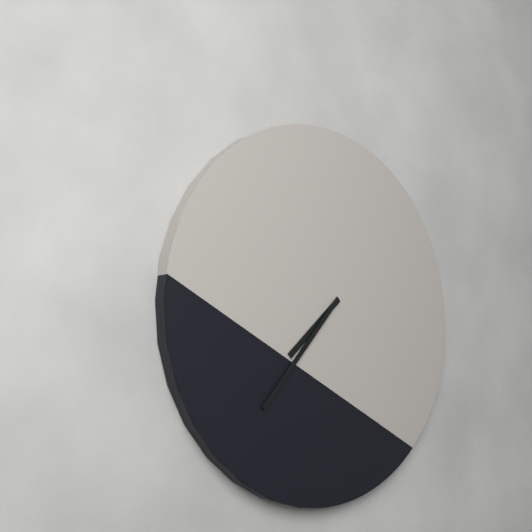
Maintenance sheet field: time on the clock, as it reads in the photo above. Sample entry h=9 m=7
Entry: h=7 m=37
